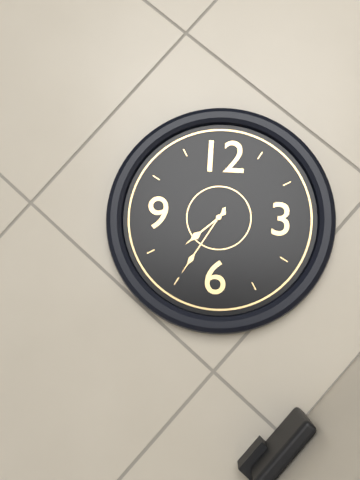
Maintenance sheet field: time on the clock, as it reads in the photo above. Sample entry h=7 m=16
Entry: h=7 m=35
